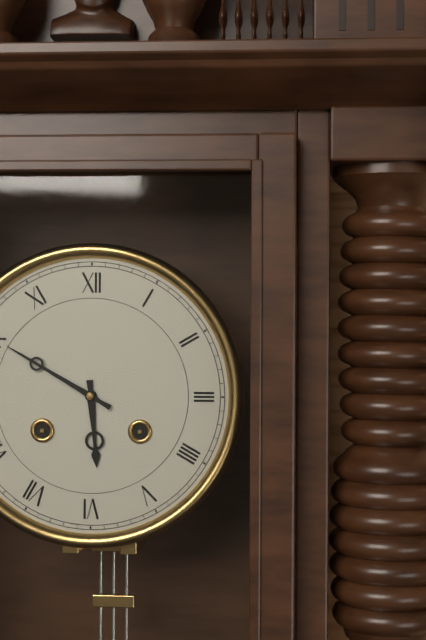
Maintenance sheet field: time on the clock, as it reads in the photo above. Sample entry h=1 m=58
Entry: h=5 m=50
